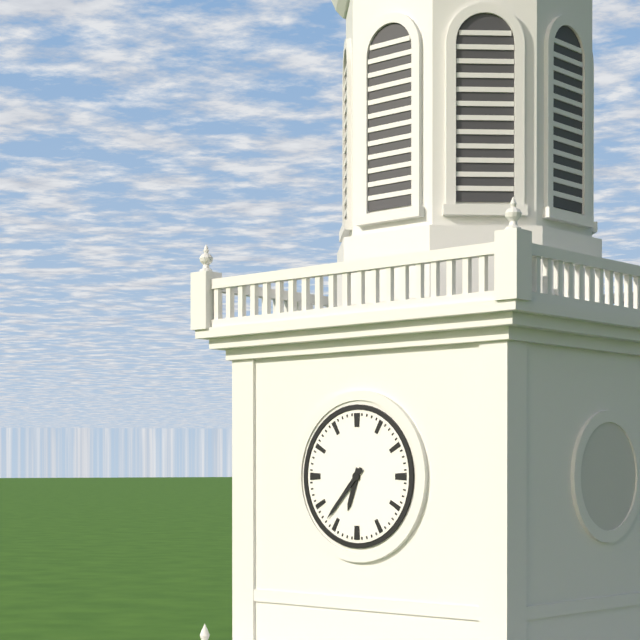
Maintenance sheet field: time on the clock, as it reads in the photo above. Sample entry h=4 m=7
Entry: h=6 m=37
